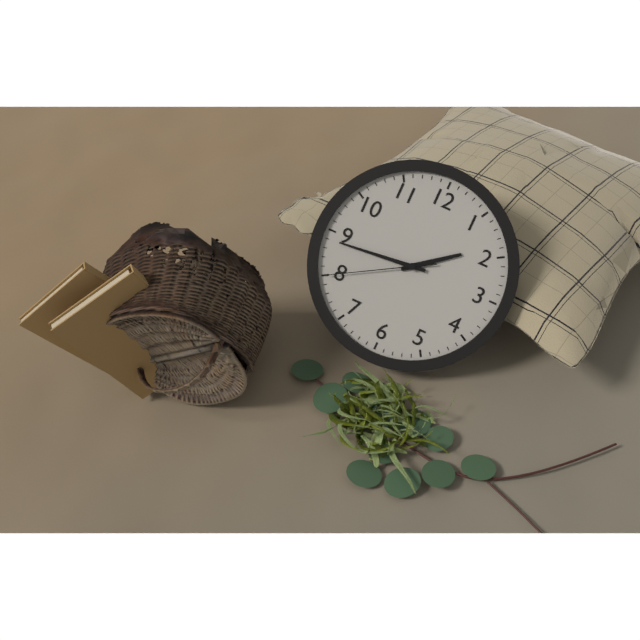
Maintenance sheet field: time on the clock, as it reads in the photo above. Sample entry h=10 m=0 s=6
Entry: h=1 m=44 s=40
